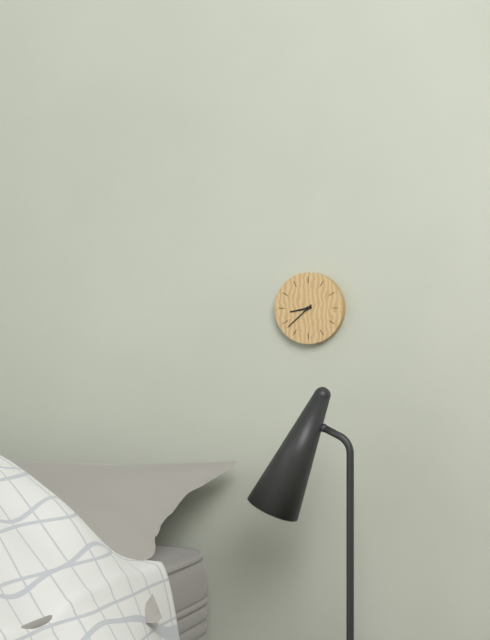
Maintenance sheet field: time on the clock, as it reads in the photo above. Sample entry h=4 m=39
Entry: h=8 m=38
